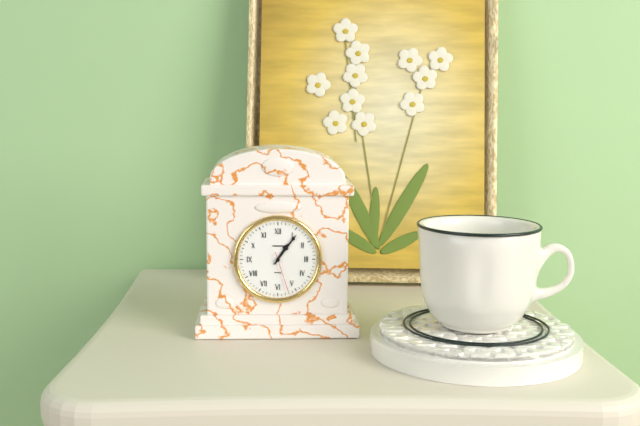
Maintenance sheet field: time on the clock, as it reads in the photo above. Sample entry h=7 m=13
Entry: h=1 m=6
